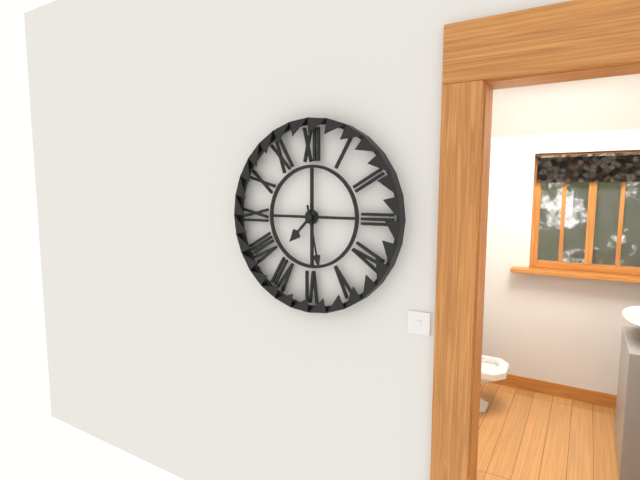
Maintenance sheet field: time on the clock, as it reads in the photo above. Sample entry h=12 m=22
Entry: h=7 m=28
